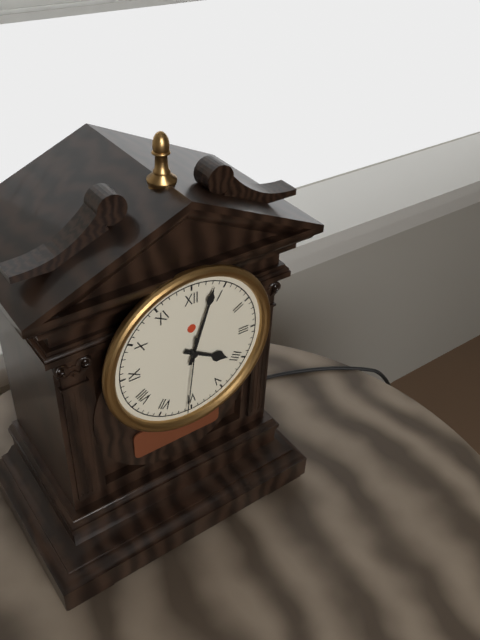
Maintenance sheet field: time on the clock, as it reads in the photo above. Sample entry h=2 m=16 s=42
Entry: h=4 m=3 s=31
